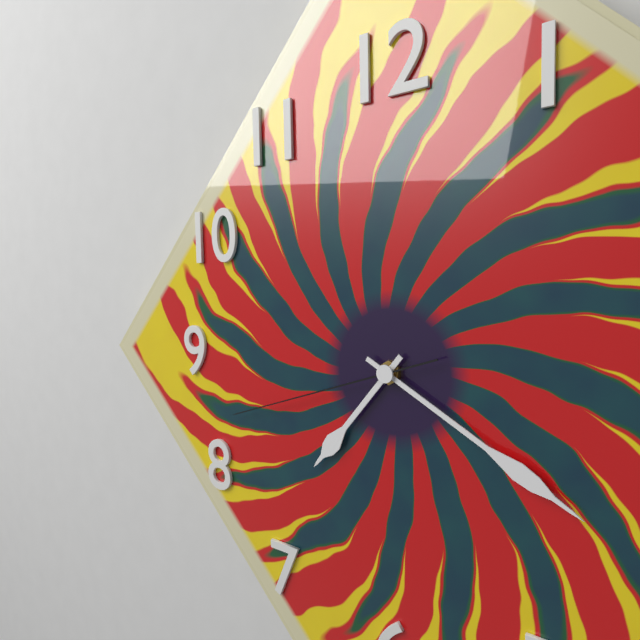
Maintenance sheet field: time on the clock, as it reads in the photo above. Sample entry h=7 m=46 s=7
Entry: h=7 m=20 s=42
